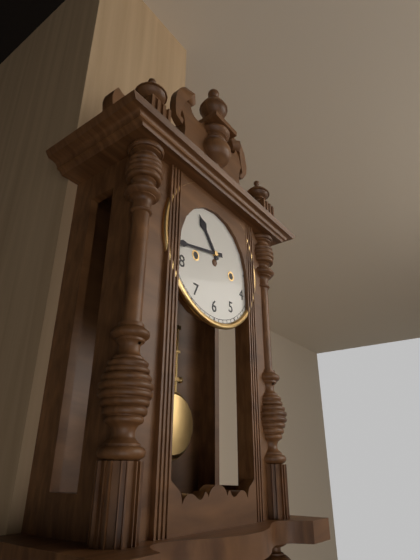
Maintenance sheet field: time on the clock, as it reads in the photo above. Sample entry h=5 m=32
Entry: h=10 m=43
